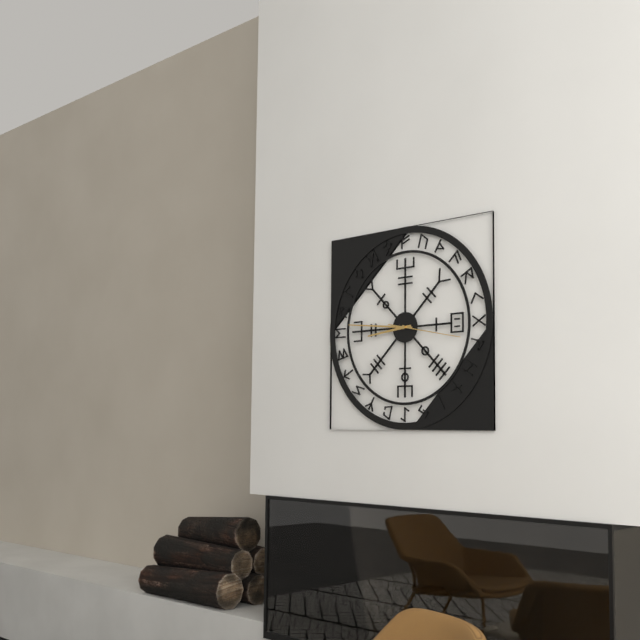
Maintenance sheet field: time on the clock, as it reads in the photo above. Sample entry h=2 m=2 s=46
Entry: h=8 m=46 s=17
